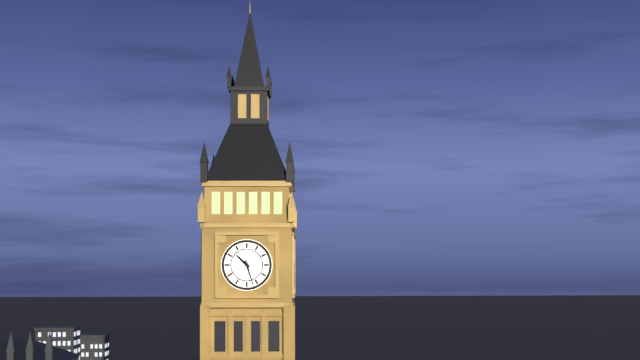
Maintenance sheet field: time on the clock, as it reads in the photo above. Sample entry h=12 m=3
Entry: h=10 m=27
